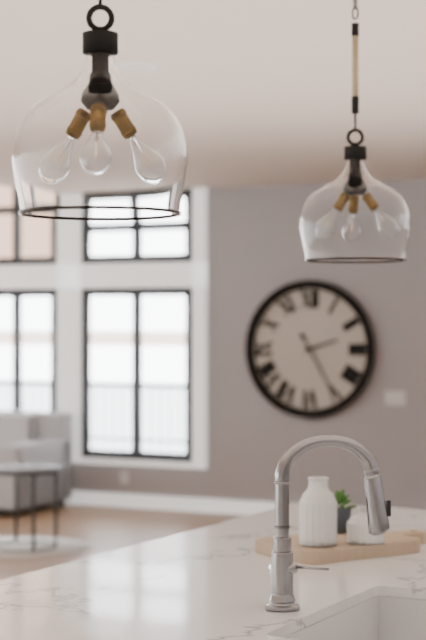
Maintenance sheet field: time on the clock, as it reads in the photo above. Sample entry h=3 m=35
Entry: h=2 m=25
